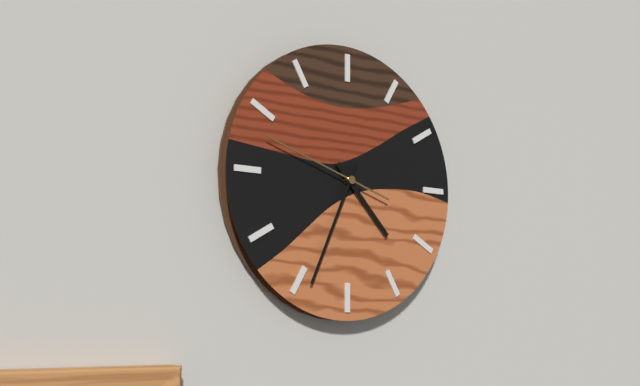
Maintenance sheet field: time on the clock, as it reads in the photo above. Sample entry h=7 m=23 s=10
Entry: h=4 m=34 s=48
